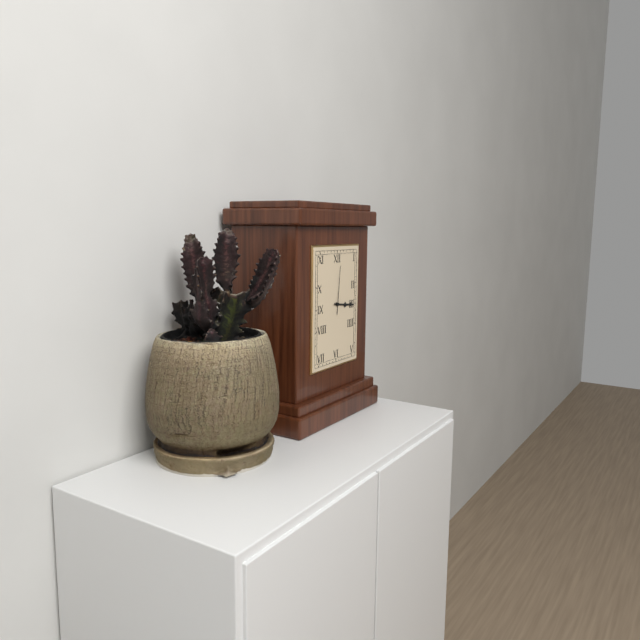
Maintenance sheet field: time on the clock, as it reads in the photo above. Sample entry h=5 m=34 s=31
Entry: h=3 m=16 s=1
